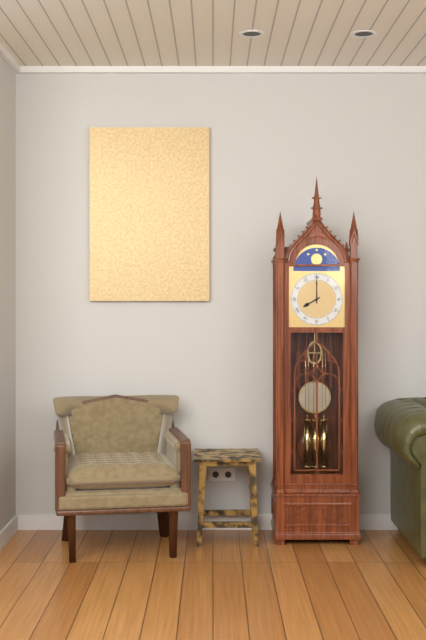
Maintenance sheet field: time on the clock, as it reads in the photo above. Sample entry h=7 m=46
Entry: h=8 m=0
